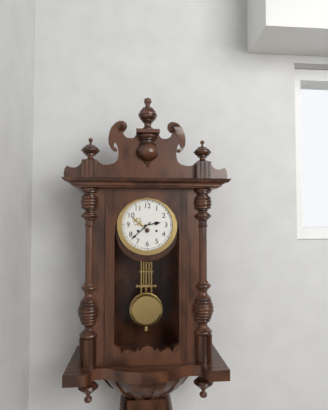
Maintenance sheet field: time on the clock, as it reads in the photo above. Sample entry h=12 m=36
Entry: h=2 m=38
